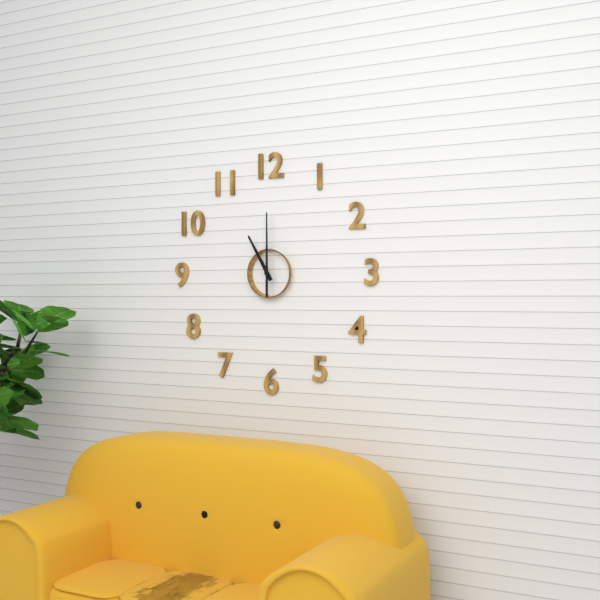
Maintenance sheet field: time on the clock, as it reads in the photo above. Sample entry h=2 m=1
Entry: h=11 m=0
